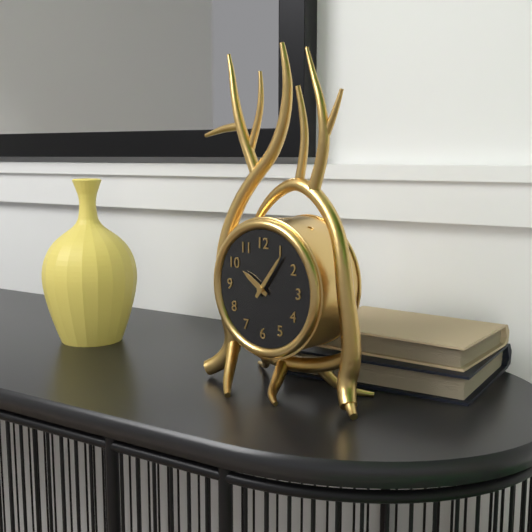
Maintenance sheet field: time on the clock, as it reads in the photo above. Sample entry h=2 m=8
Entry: h=10 m=6
